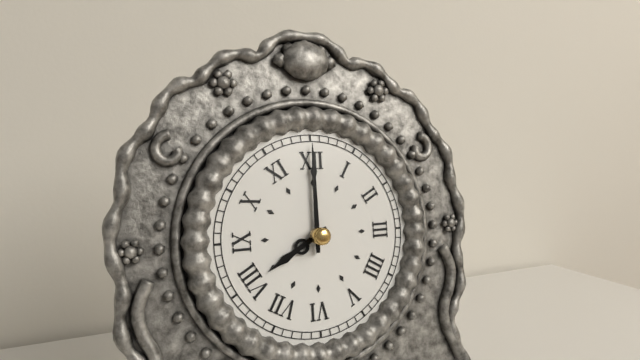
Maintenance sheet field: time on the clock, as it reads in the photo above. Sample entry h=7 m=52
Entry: h=8 m=0
